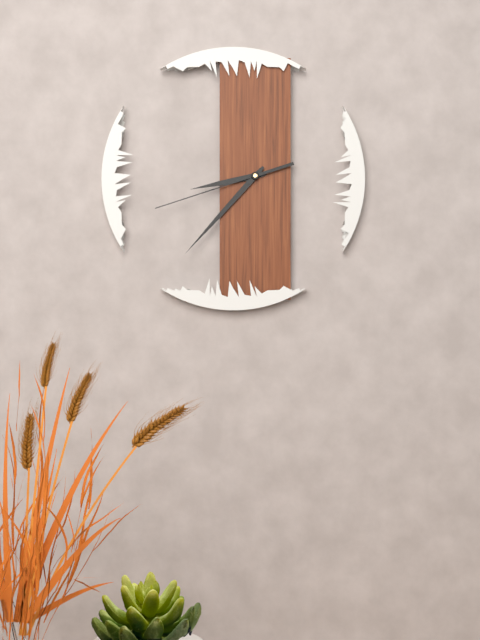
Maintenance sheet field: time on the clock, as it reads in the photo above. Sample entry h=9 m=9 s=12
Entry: h=8 m=37 s=42
